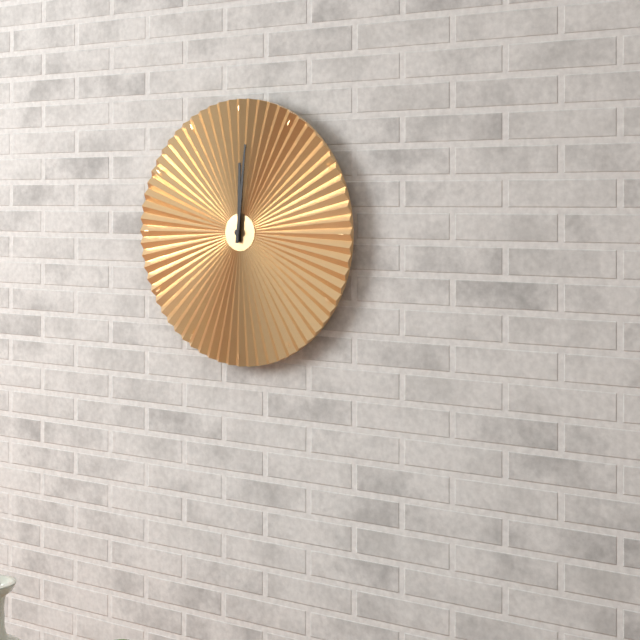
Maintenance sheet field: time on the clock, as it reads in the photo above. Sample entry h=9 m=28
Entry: h=12 m=1
